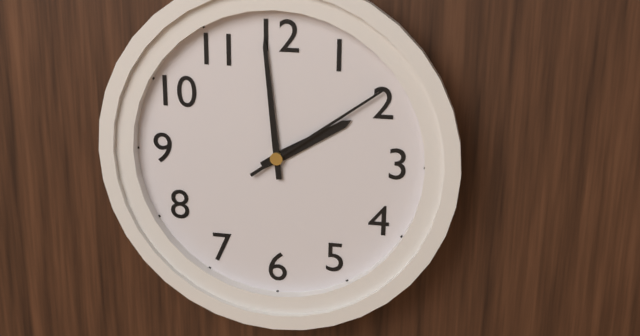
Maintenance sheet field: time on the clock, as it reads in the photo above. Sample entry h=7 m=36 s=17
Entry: h=1 m=59 s=9
